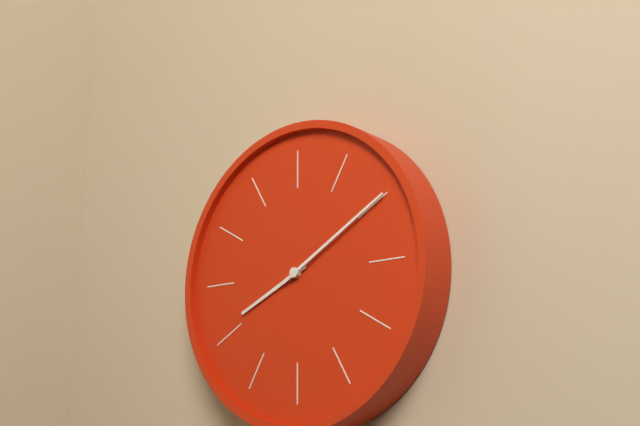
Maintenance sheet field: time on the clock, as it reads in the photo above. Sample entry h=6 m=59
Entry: h=8 m=10
